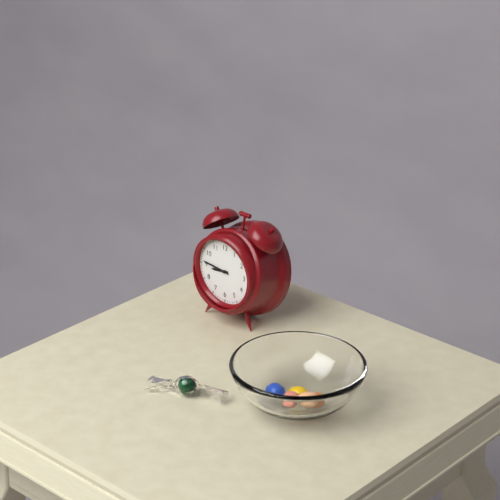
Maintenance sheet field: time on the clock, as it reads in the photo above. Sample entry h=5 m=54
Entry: h=8 m=46
